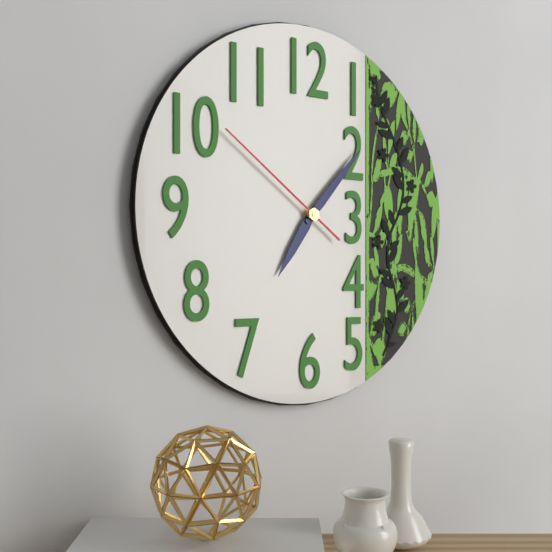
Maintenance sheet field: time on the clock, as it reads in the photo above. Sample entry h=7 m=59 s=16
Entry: h=7 m=7 s=51
